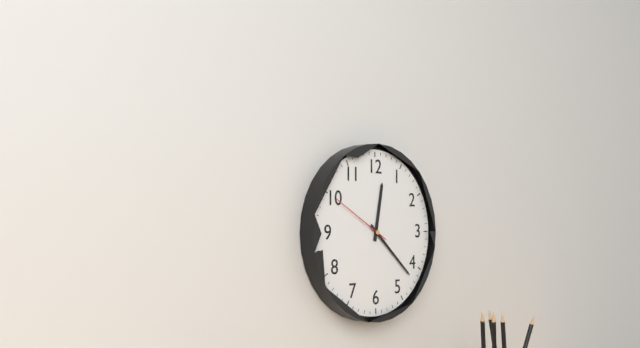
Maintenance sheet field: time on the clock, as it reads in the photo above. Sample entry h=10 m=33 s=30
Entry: h=12 m=22 s=50
